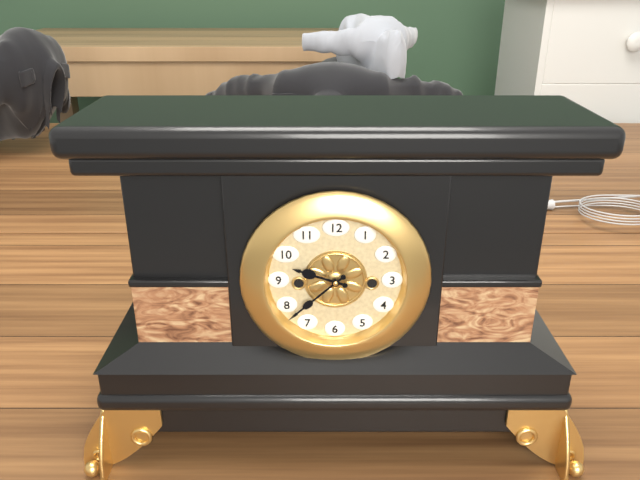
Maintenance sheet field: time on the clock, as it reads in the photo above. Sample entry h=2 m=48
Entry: h=9 m=38
